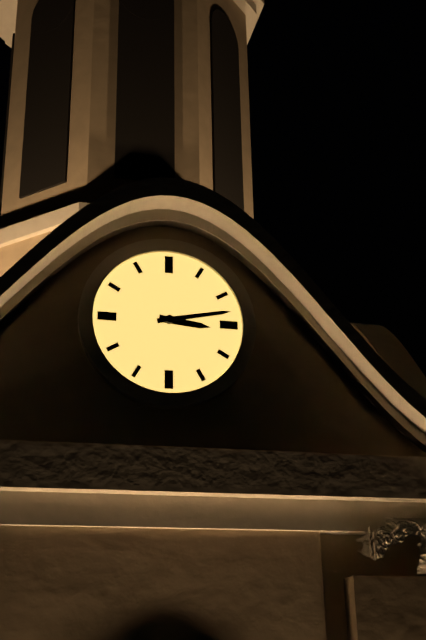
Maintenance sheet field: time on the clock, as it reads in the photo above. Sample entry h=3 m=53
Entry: h=3 m=13
